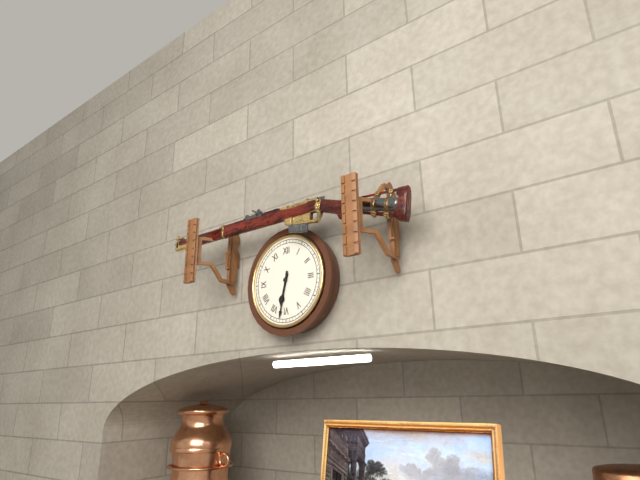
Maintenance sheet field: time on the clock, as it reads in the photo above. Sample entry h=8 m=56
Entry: h=6 m=32
